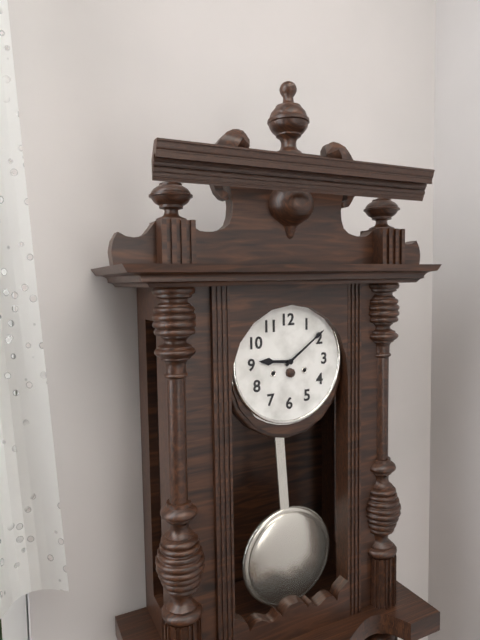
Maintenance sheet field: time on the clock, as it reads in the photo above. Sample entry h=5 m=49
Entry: h=9 m=9
